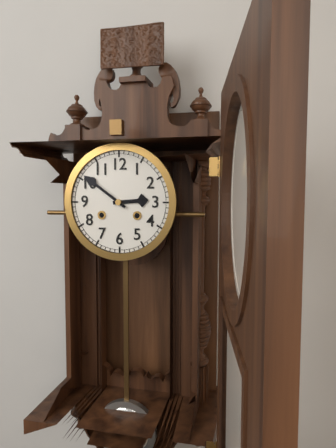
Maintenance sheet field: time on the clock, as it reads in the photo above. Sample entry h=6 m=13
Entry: h=2 m=51
